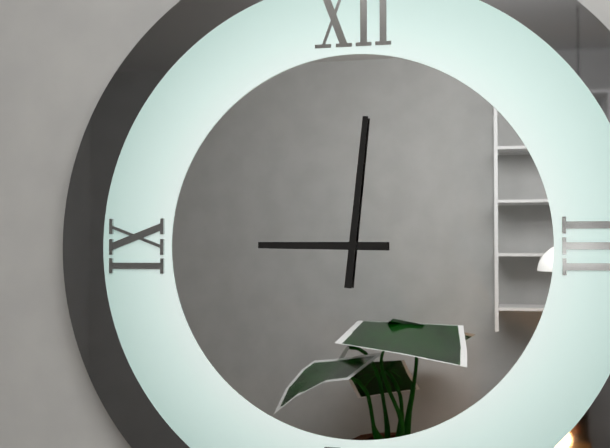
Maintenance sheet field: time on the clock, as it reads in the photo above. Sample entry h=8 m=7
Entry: h=9 m=1
